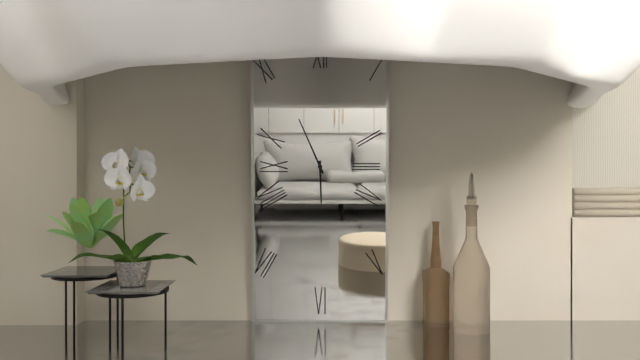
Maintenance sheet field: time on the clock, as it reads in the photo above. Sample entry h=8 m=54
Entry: h=5 m=56
